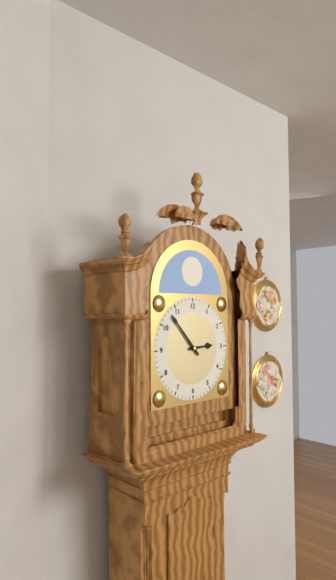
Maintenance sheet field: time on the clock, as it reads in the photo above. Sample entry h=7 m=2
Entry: h=2 m=53
